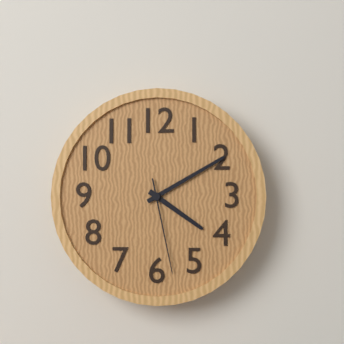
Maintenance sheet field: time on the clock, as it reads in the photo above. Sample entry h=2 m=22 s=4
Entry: h=4 m=10 s=28
